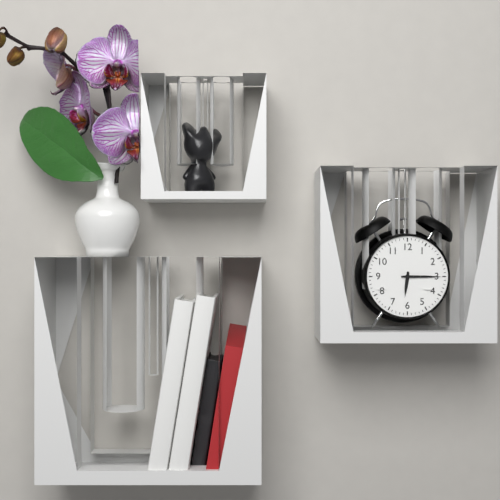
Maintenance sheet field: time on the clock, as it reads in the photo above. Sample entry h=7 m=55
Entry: h=6 m=15
